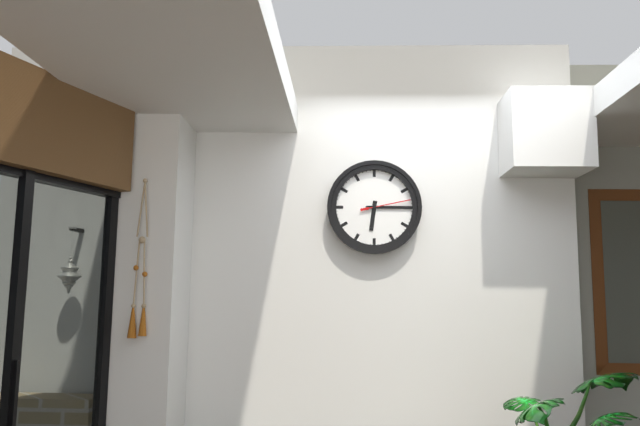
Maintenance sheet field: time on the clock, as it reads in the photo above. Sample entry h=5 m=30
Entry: h=6 m=15
